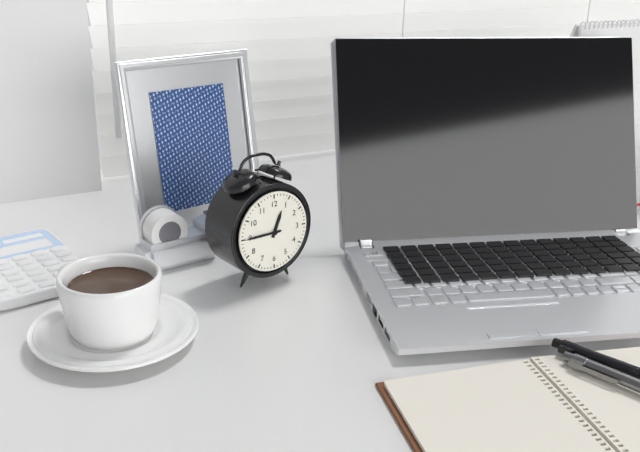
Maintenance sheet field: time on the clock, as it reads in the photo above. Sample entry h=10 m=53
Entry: h=12 m=45
